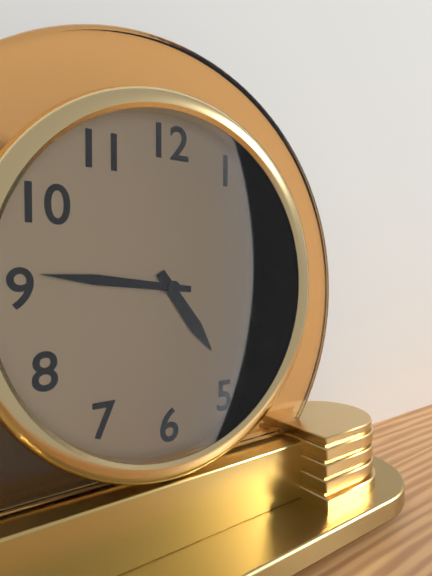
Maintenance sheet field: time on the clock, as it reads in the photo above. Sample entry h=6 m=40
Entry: h=4 m=46
